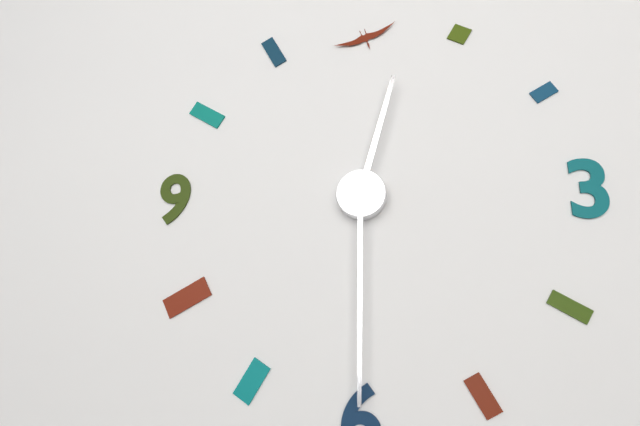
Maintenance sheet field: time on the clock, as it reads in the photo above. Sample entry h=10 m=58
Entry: h=12 m=30
